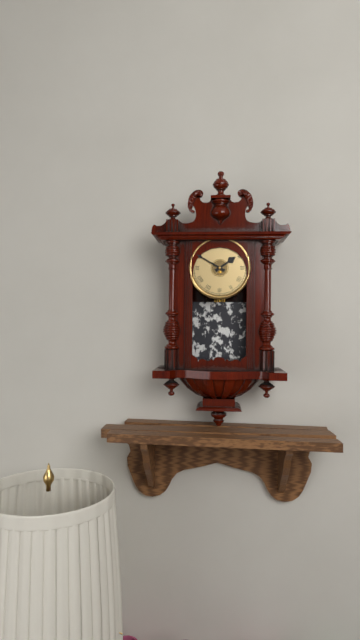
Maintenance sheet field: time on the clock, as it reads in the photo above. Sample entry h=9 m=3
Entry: h=1 m=50
